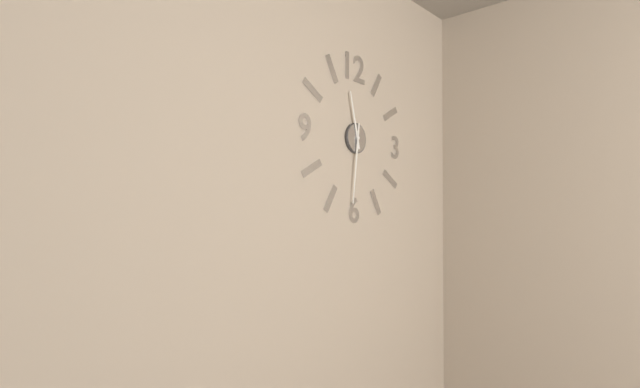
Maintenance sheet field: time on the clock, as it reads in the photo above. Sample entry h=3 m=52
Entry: h=11 m=31
